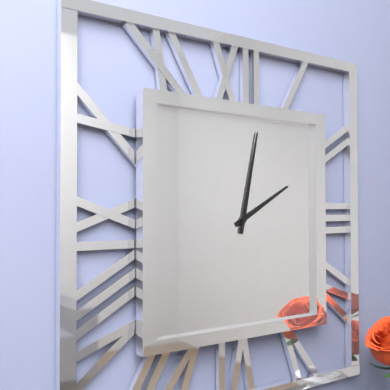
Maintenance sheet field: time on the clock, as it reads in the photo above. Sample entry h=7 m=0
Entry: h=2 m=2
